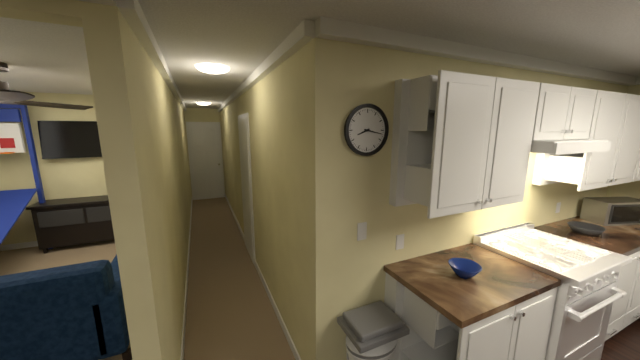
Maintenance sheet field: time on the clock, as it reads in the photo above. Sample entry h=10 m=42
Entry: h=8 m=17
